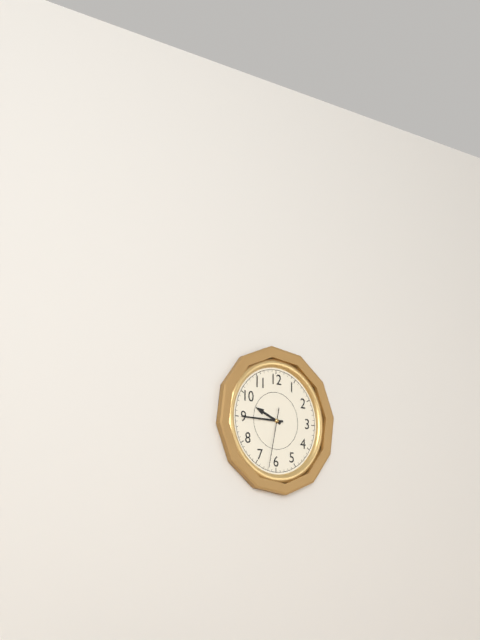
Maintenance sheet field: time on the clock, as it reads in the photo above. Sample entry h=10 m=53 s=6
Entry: h=9 m=45 s=32
